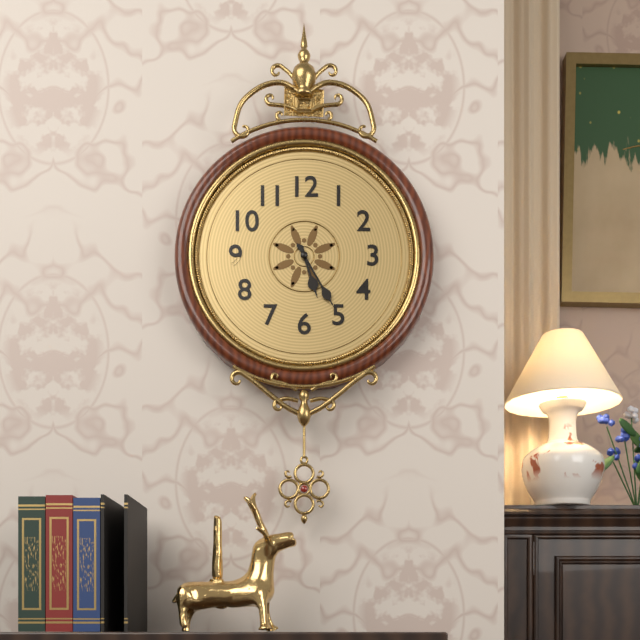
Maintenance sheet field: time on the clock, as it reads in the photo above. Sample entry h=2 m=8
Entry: h=5 m=25
